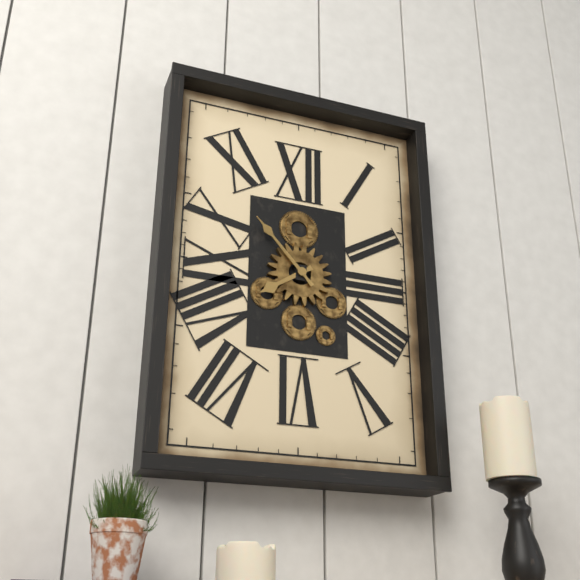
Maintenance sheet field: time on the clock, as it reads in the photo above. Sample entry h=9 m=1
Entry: h=7 m=53
